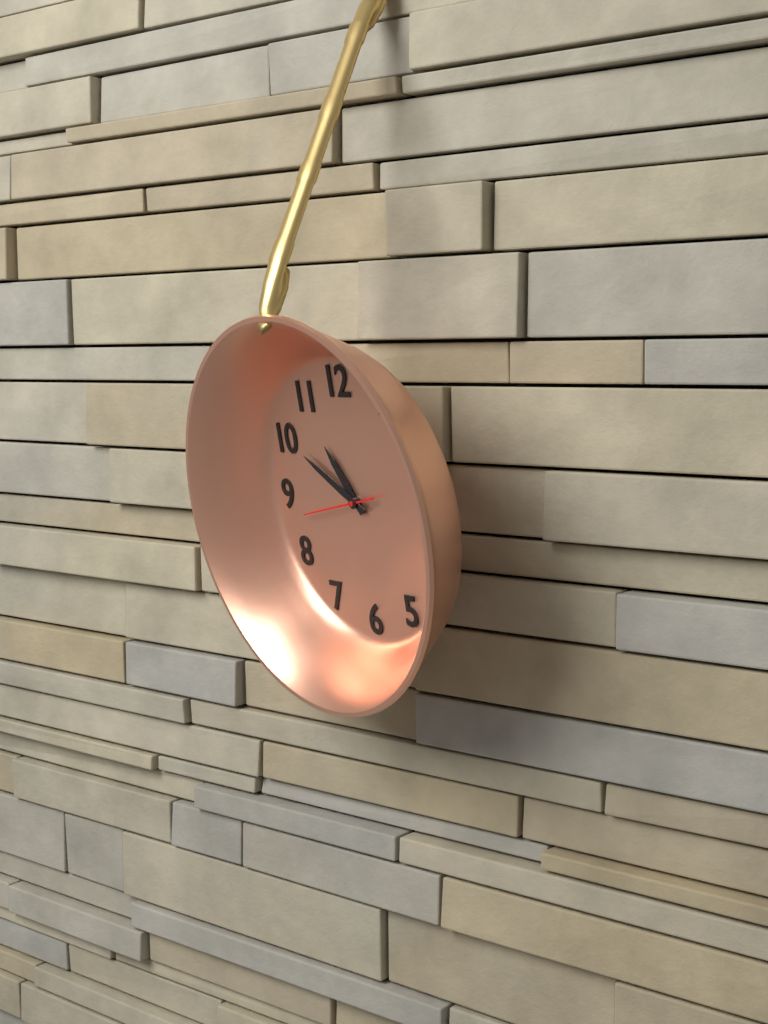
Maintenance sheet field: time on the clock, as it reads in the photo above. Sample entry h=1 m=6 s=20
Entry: h=10 m=50 s=43
